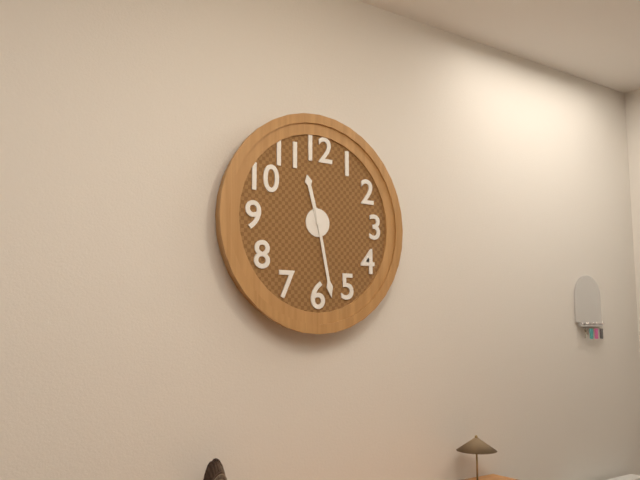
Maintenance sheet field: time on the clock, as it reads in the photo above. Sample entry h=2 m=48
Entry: h=11 m=28
